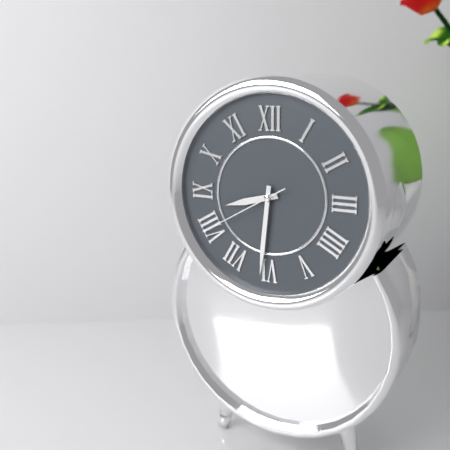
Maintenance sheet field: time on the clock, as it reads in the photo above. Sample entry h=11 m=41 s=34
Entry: h=8 m=31 s=40
